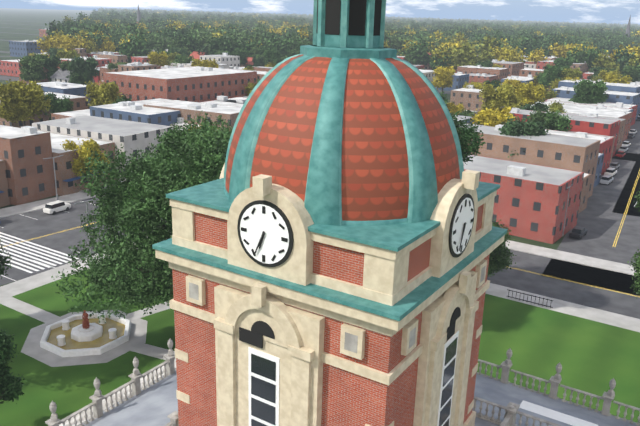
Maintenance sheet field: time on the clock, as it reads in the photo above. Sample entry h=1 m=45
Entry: h=6 m=34
